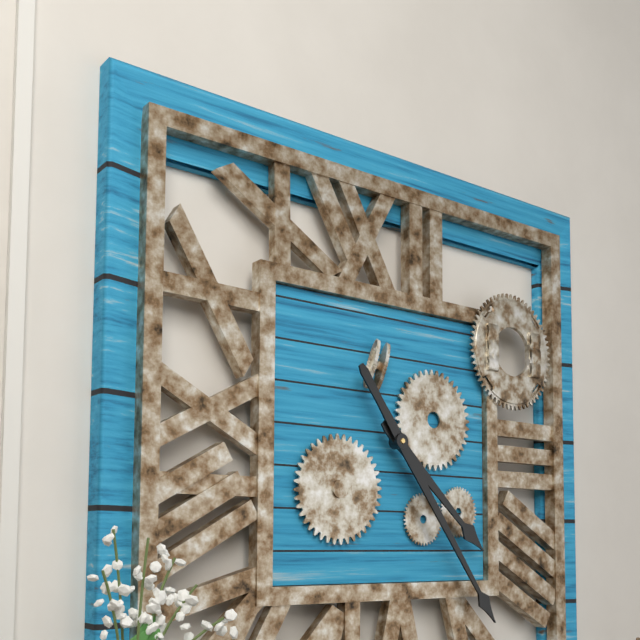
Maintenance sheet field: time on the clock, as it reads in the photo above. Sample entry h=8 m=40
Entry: h=4 m=24
